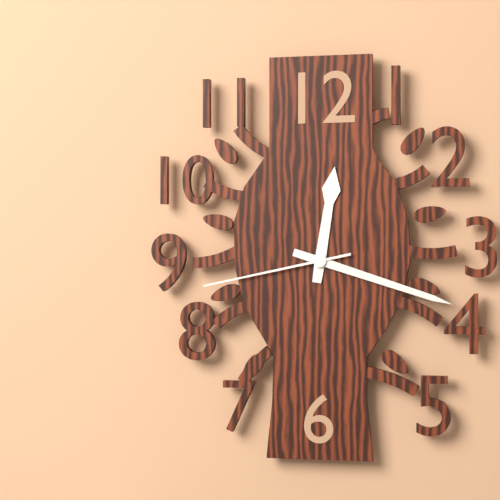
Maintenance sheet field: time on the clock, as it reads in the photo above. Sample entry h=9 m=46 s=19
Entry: h=12 m=18 s=43
